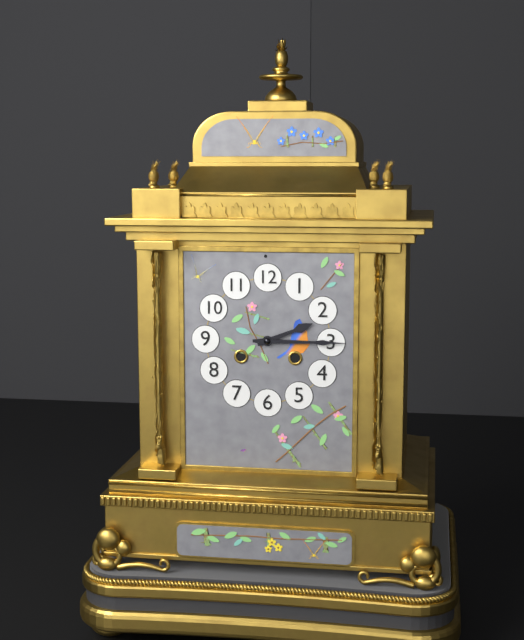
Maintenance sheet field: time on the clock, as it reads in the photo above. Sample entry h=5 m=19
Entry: h=2 m=15
